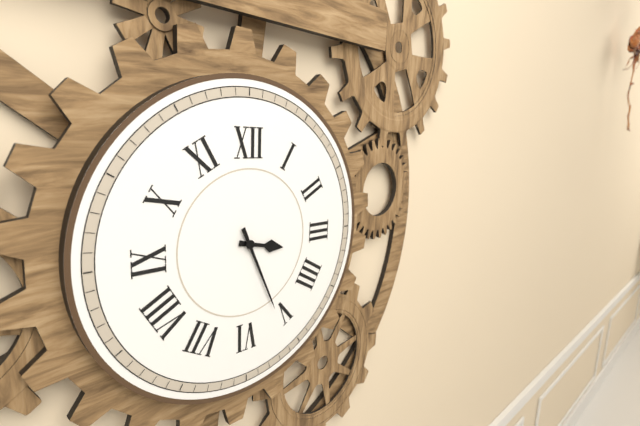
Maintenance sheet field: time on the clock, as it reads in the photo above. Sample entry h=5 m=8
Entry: h=3 m=26
